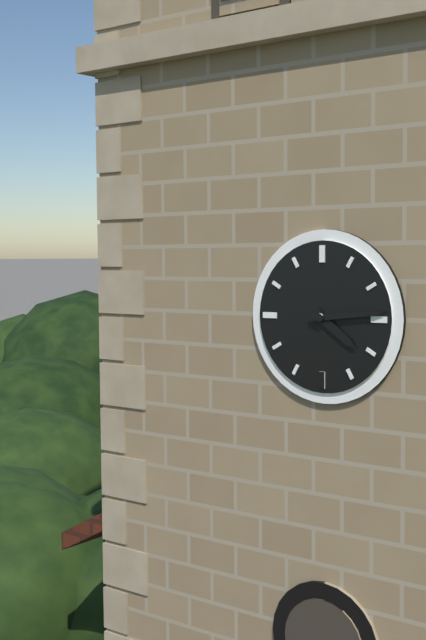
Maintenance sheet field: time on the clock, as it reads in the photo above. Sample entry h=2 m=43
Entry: h=4 m=14
